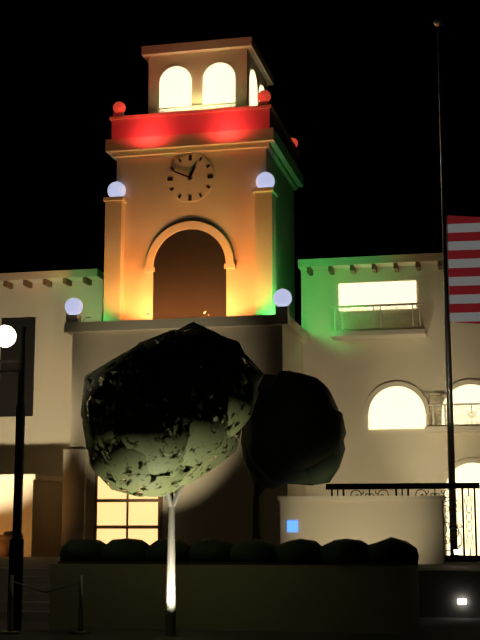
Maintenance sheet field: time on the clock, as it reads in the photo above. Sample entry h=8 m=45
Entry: h=12 m=49
